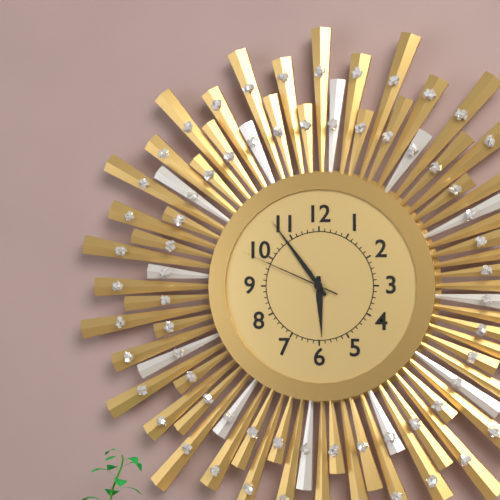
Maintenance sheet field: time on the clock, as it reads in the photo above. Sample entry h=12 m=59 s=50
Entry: h=5 m=54 s=49
